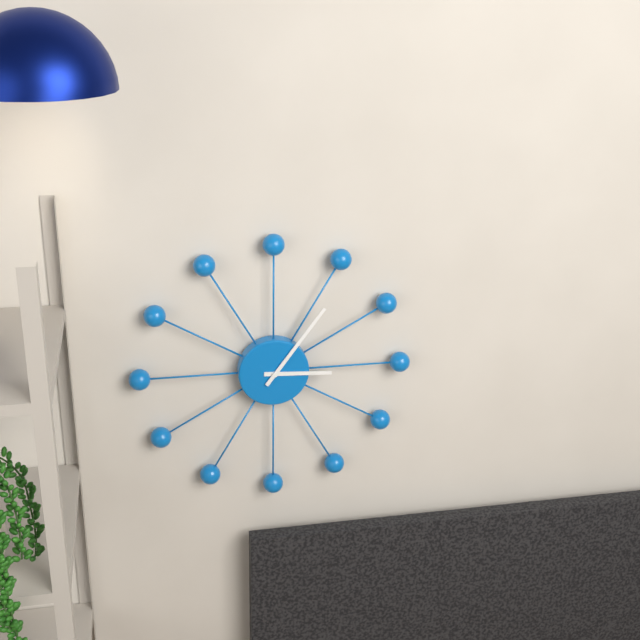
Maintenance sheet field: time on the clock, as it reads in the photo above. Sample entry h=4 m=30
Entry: h=3 m=6
